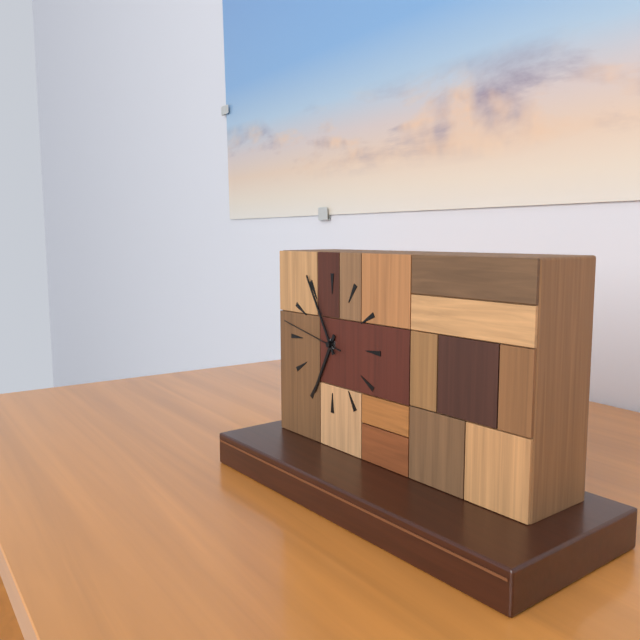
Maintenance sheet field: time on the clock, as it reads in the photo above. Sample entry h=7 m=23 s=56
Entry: h=6 m=55 s=47
